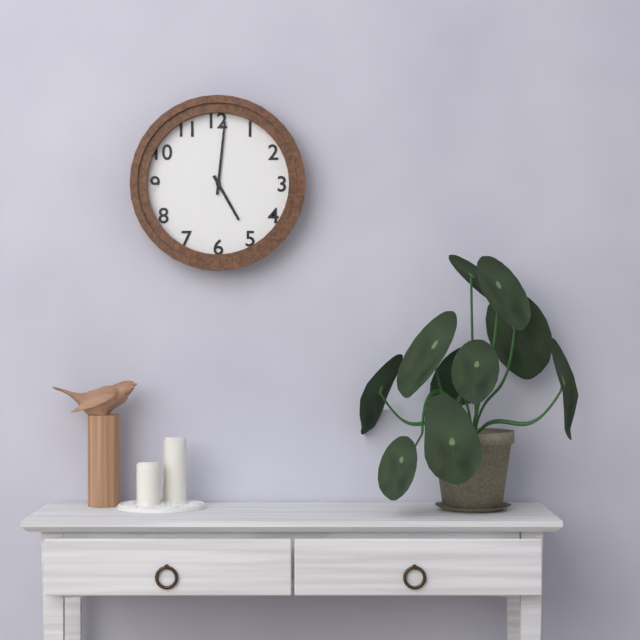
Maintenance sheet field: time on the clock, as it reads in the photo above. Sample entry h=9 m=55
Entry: h=5 m=1
